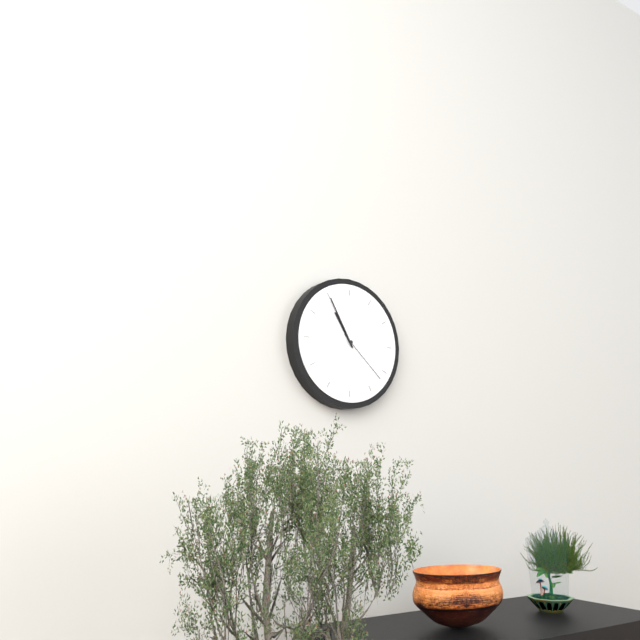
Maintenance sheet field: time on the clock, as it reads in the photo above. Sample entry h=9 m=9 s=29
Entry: h=10 m=55 s=22
